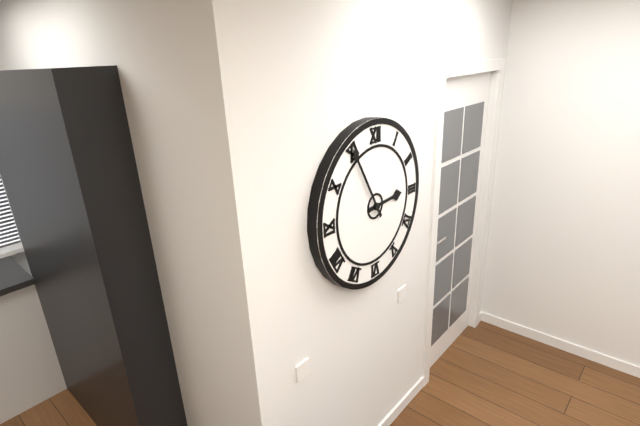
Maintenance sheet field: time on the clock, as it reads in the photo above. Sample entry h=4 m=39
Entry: h=2 m=55
